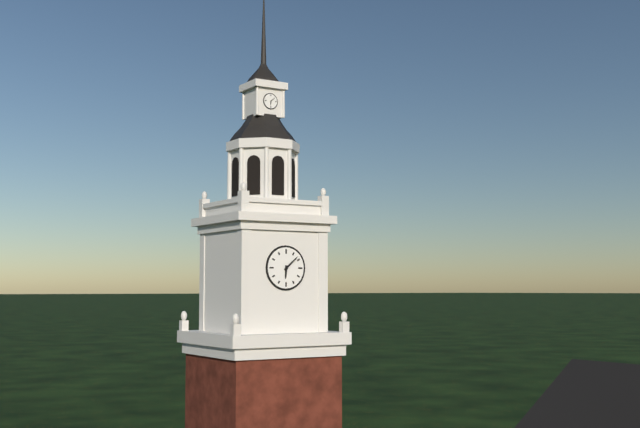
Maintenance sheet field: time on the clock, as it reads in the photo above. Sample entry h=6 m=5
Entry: h=6 m=8
